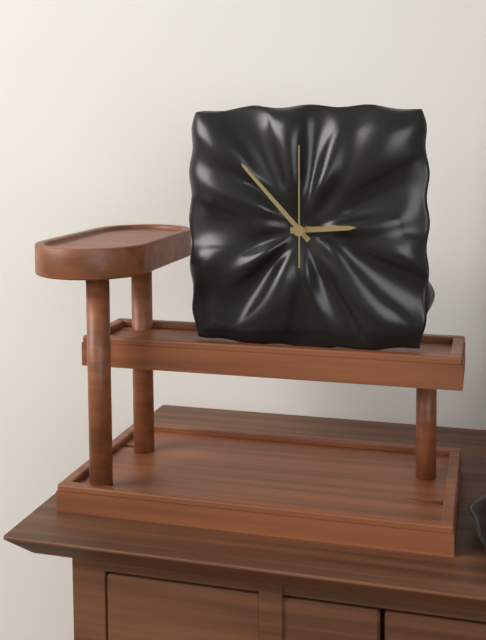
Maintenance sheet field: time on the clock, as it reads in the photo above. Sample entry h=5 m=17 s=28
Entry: h=2 m=53 s=0
